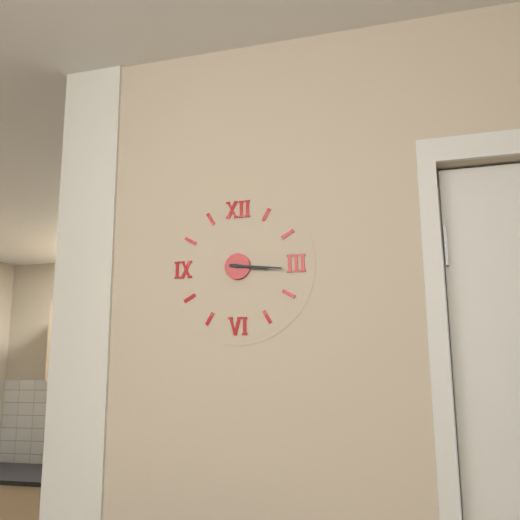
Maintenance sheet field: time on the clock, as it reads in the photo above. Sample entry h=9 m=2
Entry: h=3 m=16
